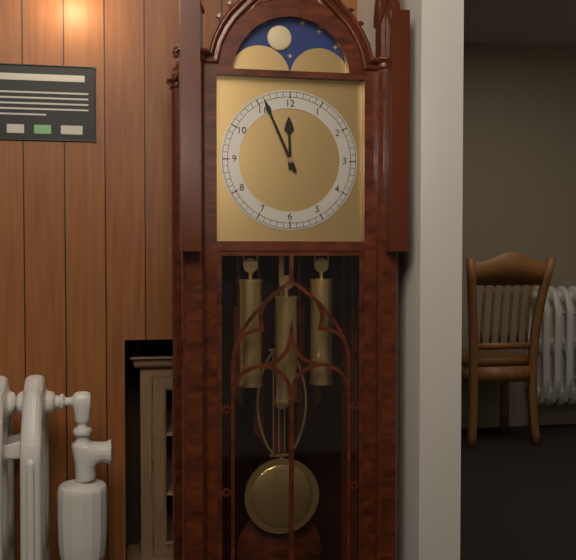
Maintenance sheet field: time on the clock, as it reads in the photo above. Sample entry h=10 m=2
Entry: h=11 m=56
